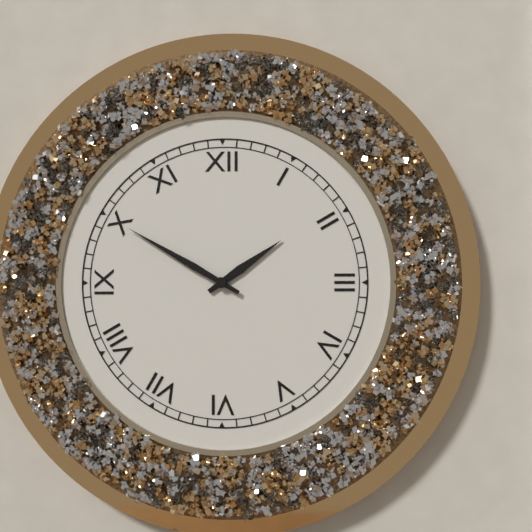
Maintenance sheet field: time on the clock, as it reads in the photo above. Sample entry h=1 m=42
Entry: h=1 m=50
